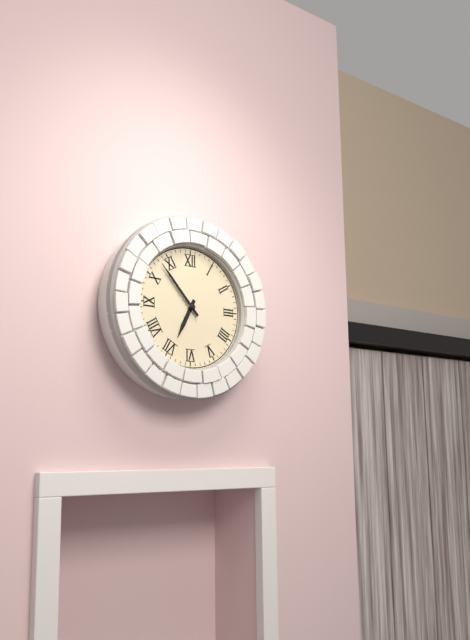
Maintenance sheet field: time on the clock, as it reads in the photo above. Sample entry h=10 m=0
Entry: h=6 m=53
